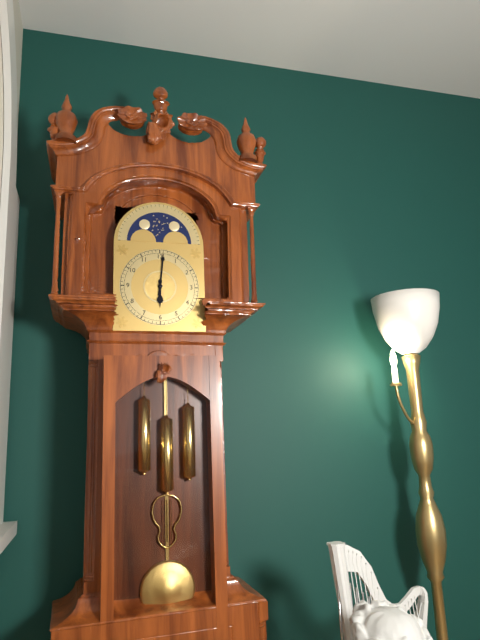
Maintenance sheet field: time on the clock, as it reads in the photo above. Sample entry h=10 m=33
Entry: h=6 m=1
